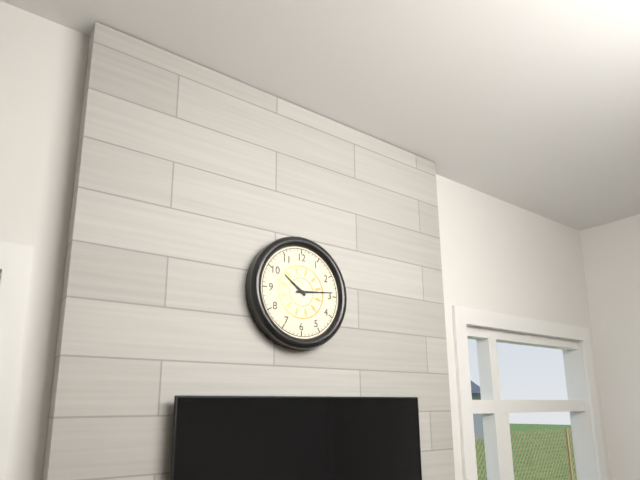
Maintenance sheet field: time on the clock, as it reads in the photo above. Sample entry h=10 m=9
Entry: h=10 m=14
